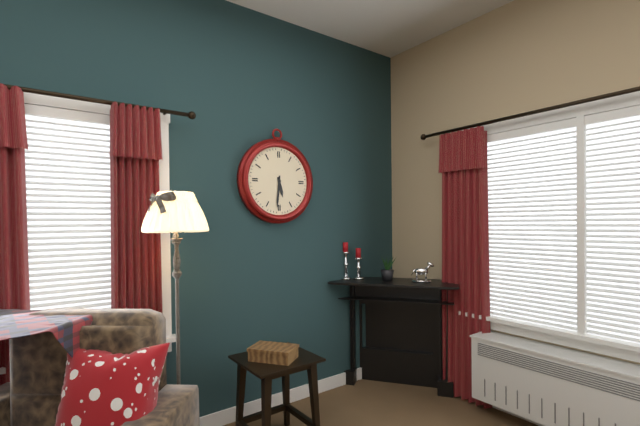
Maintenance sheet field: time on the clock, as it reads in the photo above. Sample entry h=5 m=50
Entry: h=5 m=31
